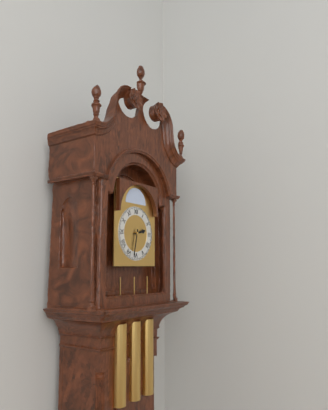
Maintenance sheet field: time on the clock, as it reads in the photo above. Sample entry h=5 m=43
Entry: h=2 m=32
